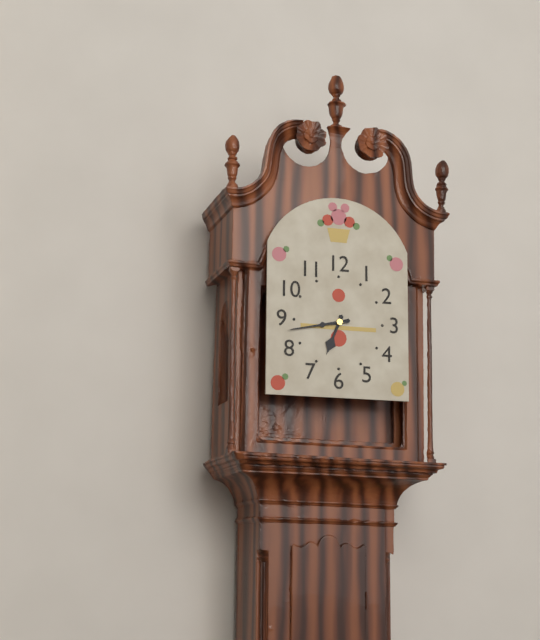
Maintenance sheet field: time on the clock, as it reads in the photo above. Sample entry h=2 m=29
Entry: h=6 m=43
